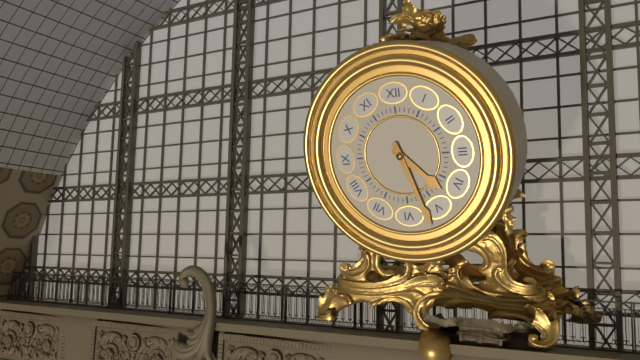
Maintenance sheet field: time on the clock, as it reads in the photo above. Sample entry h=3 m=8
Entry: h=4 m=27
